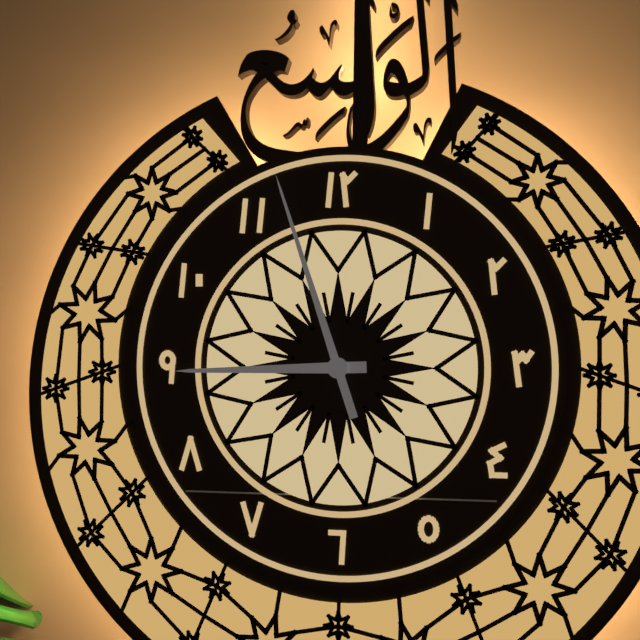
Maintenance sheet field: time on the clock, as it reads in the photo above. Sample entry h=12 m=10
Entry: h=8 m=57
